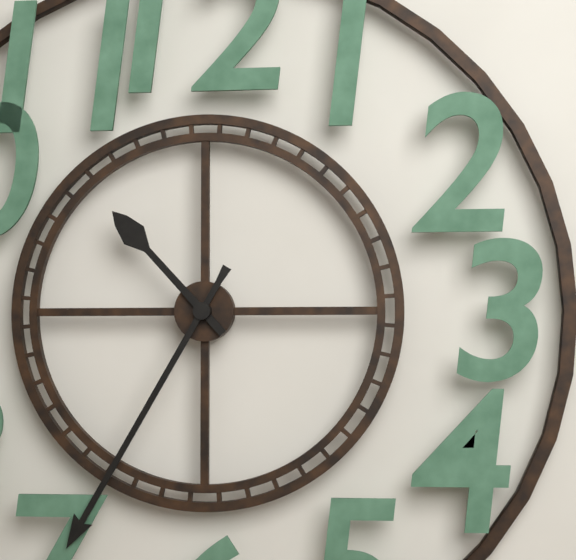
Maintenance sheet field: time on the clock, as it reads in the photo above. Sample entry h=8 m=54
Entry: h=10 m=35
